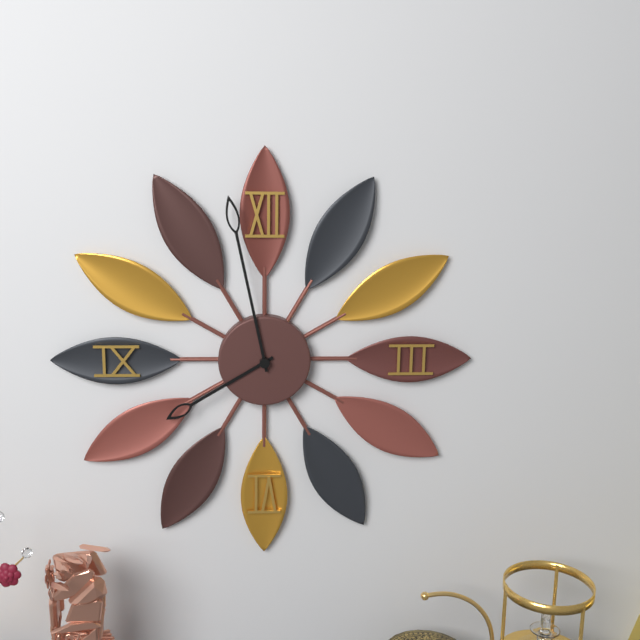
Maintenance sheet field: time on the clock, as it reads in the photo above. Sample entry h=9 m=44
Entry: h=7 m=58
